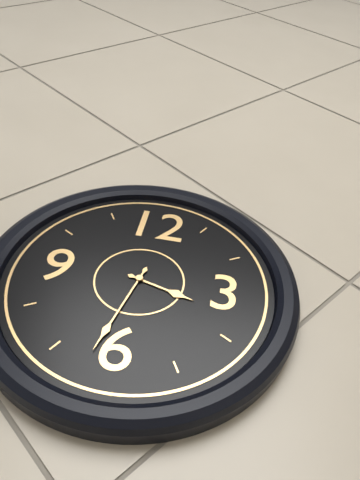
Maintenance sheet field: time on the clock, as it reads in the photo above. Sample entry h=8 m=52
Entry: h=3 m=32
